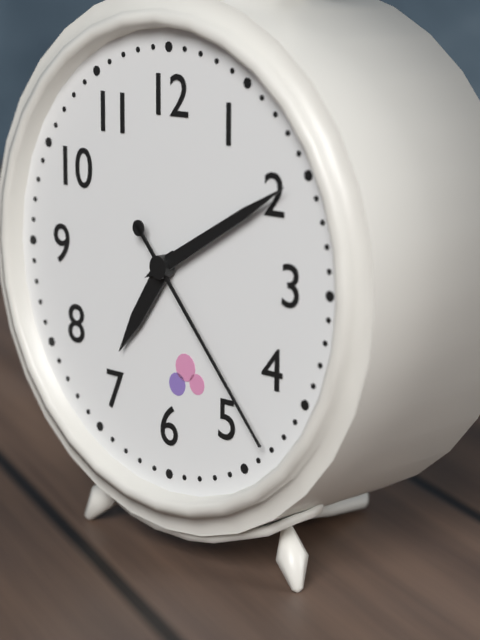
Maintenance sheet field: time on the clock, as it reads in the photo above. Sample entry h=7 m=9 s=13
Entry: h=7 m=10 s=23
